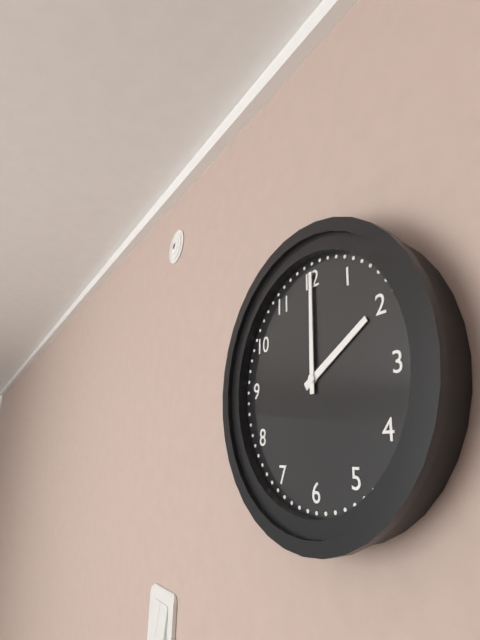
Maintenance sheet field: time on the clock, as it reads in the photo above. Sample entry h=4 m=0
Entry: h=2 m=0
